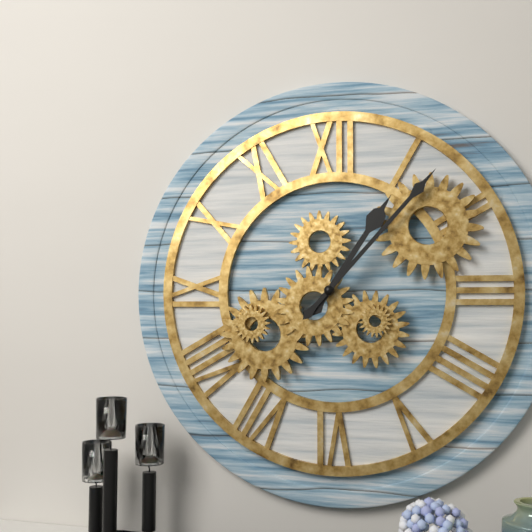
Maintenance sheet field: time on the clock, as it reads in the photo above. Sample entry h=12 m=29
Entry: h=1 m=7
